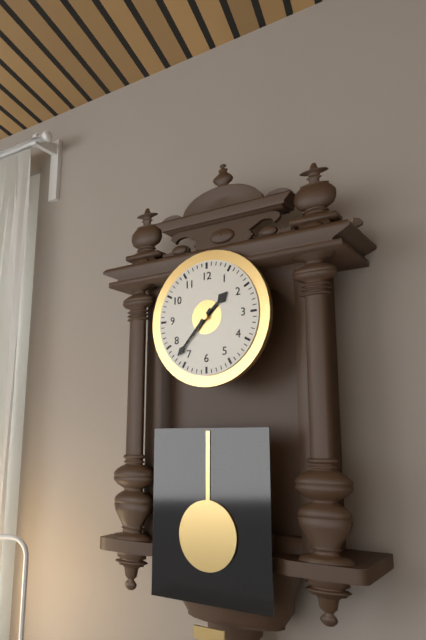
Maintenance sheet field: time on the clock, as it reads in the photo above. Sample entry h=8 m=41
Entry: h=1 m=37
